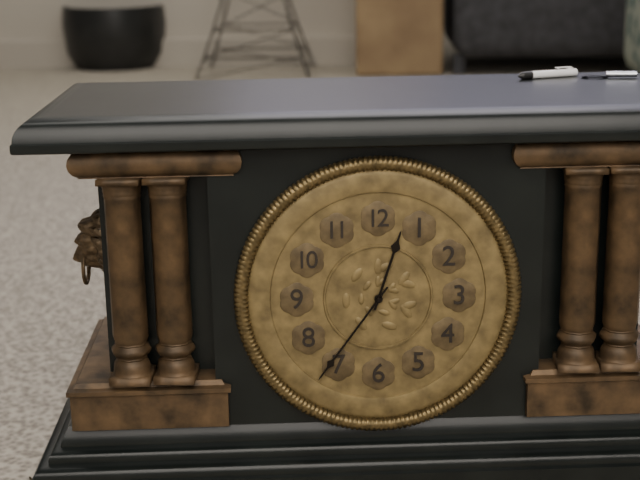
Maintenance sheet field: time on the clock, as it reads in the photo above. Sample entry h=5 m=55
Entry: h=12 m=36
